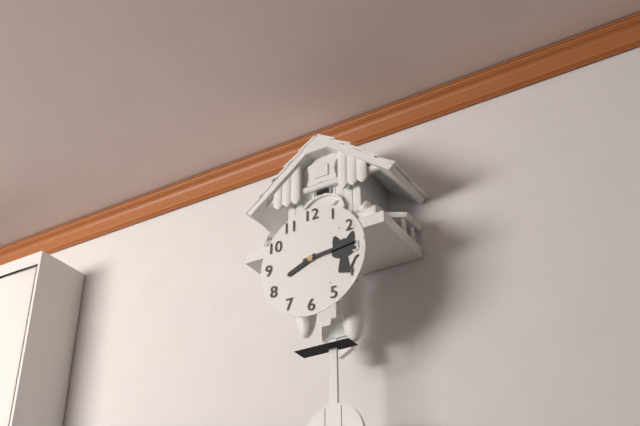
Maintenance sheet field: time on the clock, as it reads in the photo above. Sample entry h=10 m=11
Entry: h=8 m=14
